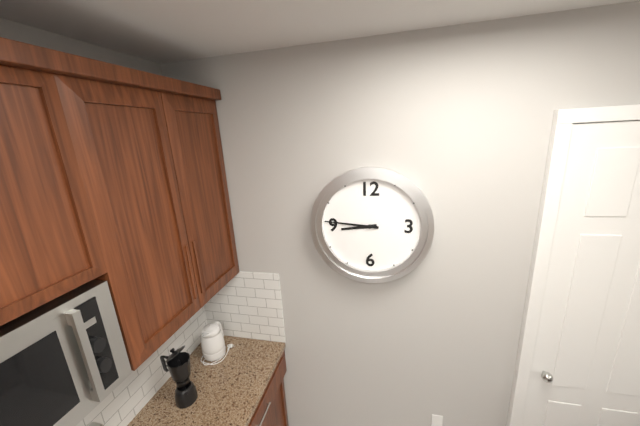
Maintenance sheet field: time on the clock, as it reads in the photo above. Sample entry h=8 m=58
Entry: h=8 m=46
